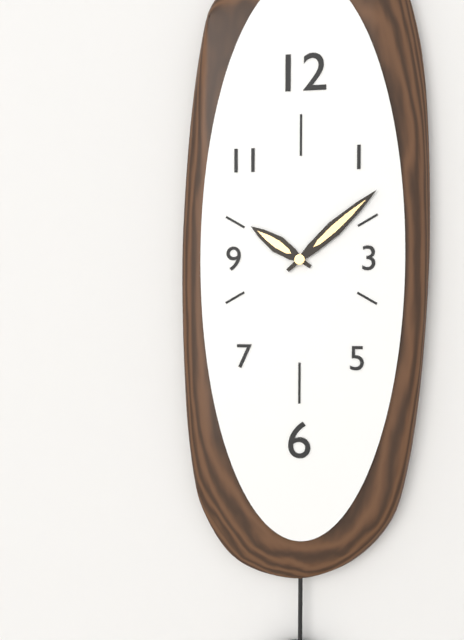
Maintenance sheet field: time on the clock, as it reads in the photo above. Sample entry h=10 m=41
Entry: h=10 m=8
